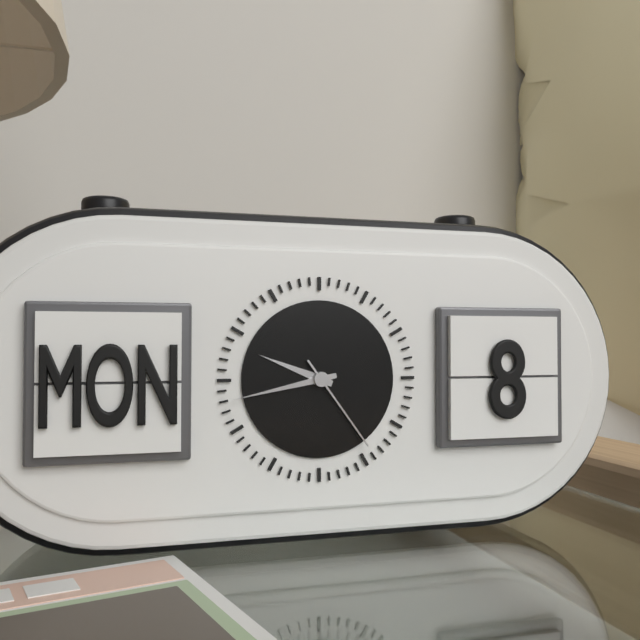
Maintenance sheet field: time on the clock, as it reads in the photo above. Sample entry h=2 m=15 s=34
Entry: h=9 m=43 s=24
